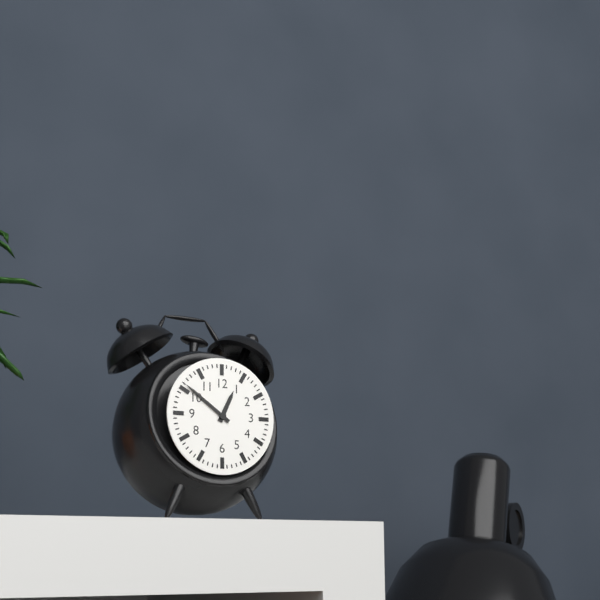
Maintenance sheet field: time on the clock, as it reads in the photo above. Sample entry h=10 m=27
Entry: h=12 m=51
